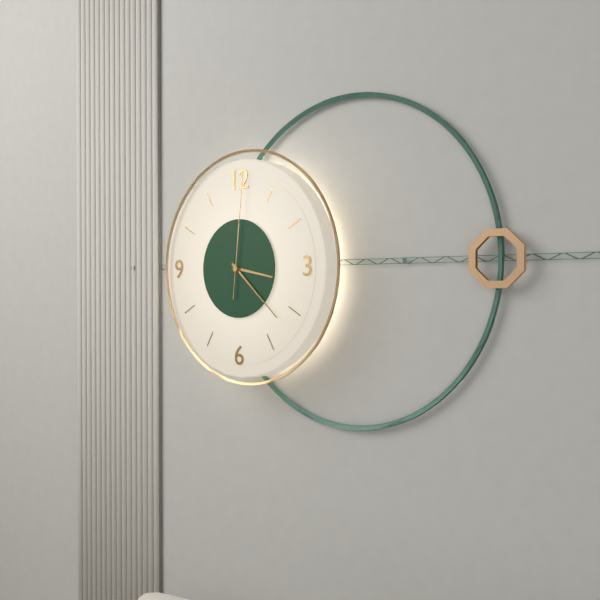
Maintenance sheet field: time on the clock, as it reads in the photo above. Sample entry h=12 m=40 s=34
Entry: h=3 m=22 s=1
